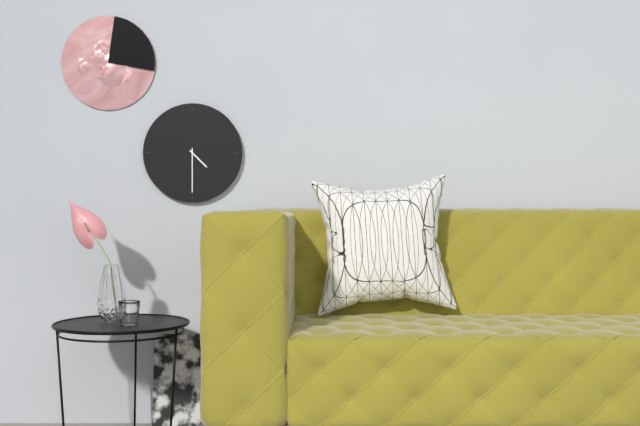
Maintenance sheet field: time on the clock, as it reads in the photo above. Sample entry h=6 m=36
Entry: h=4 m=30
